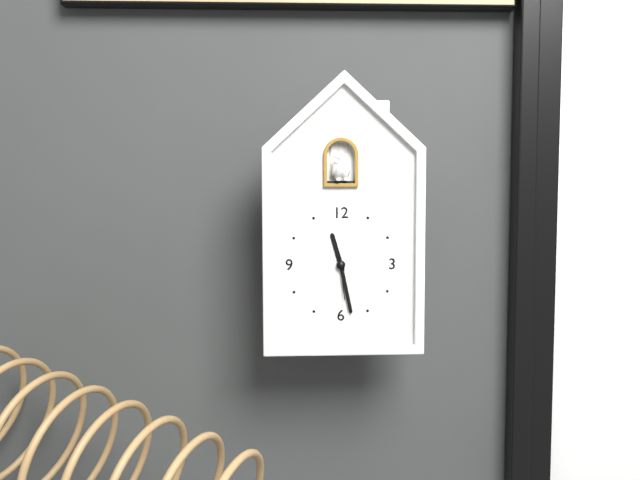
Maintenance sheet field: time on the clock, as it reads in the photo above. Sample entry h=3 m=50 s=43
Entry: h=11 m=28 s=29
